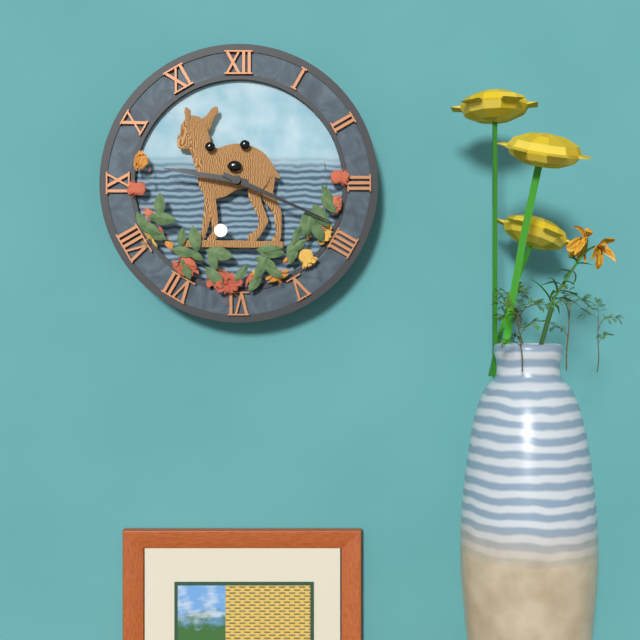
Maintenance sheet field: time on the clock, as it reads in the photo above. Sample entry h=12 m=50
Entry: h=9 m=19
